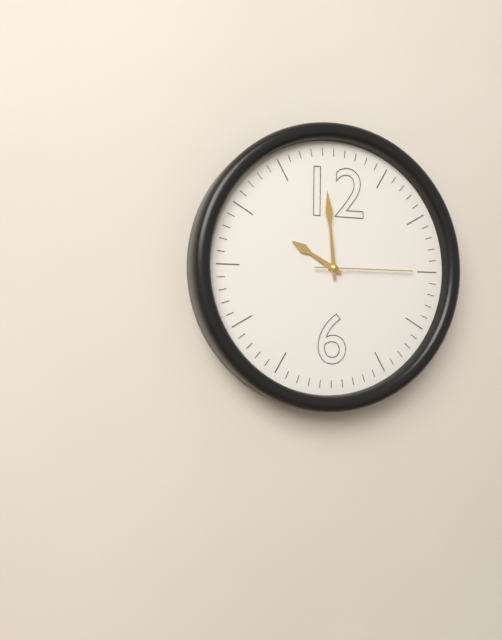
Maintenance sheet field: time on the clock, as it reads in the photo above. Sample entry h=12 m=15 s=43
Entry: h=9 m=59 s=15
